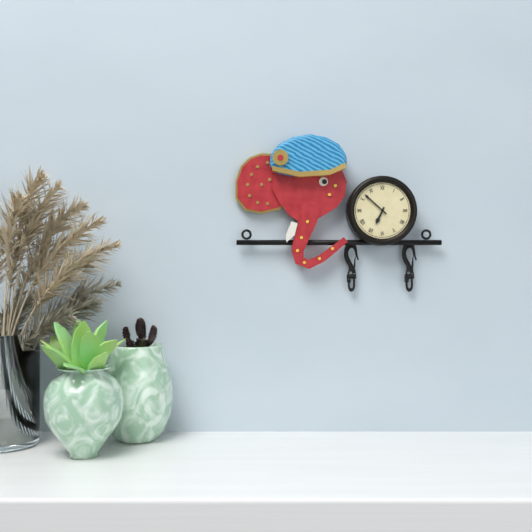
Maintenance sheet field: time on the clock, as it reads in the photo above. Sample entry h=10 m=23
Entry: h=6 m=52
